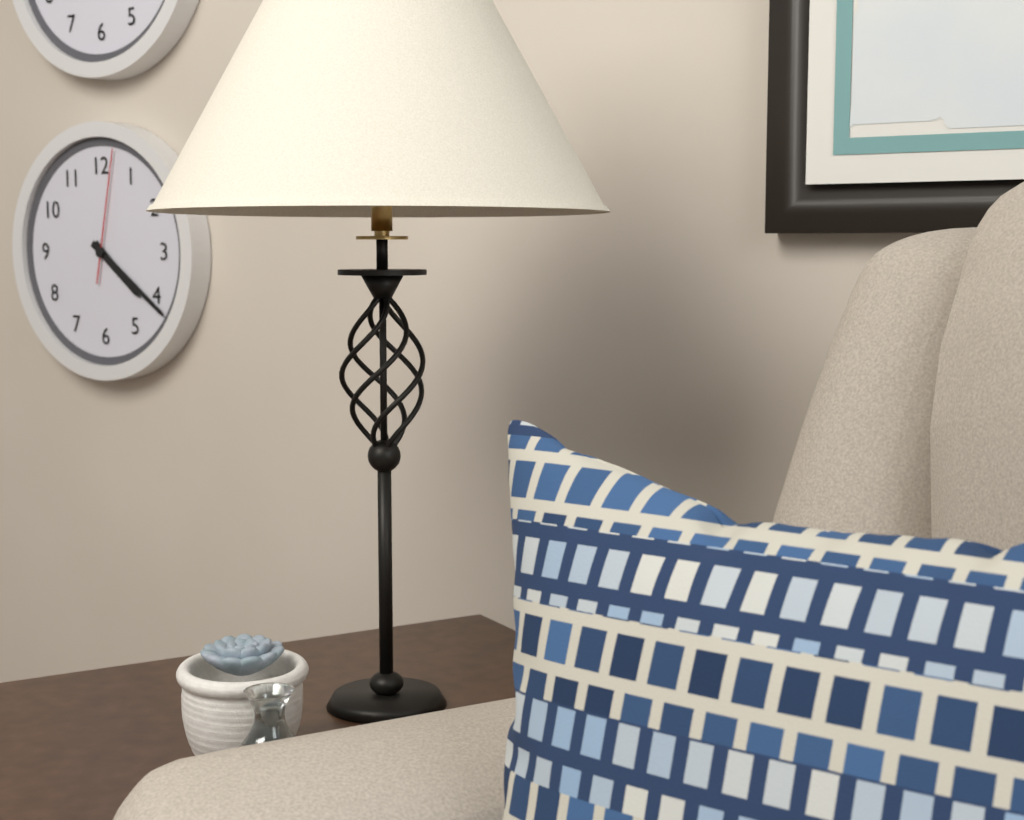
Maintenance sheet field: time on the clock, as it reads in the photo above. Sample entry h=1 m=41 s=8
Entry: h=4 m=21 s=2
